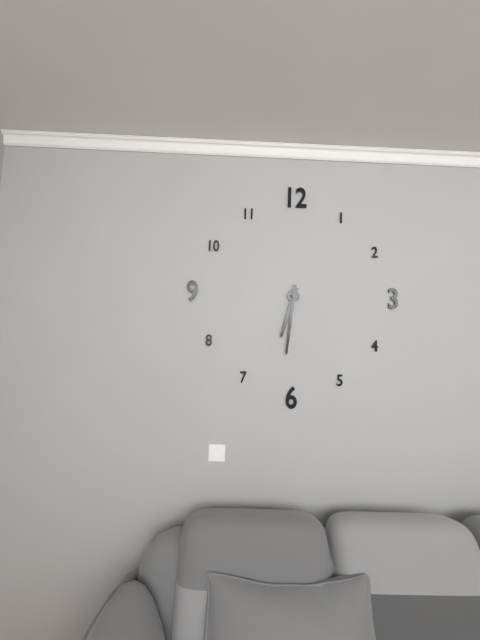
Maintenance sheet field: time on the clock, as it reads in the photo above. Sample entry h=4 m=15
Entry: h=6 m=31
